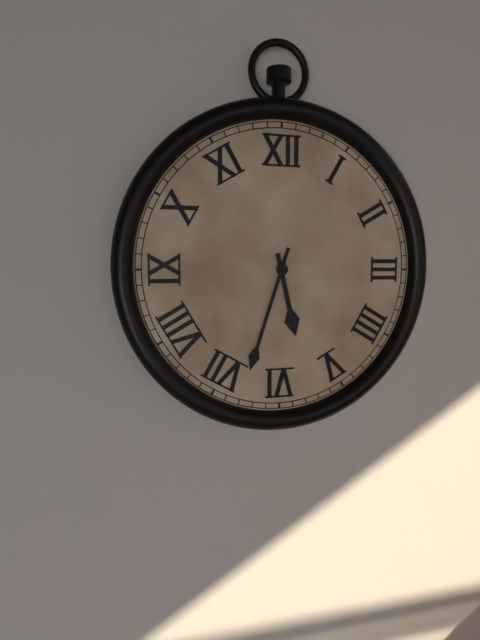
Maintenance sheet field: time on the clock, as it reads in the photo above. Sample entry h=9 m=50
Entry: h=5 m=33
